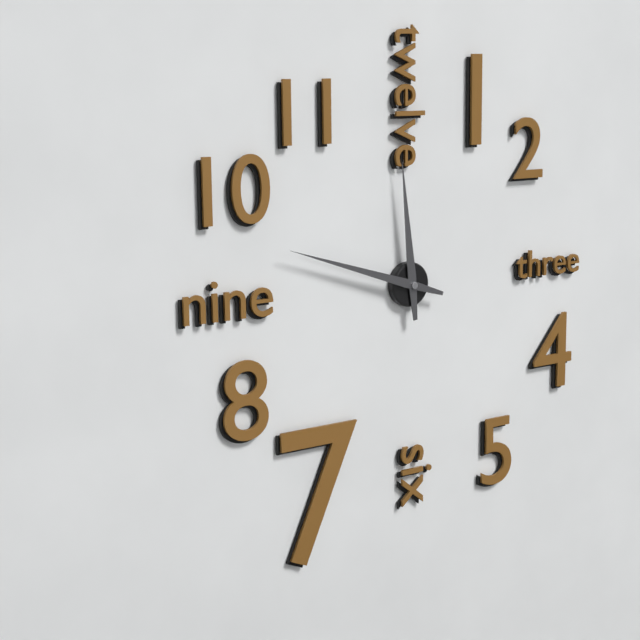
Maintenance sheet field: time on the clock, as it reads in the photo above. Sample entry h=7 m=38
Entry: h=11 m=48
